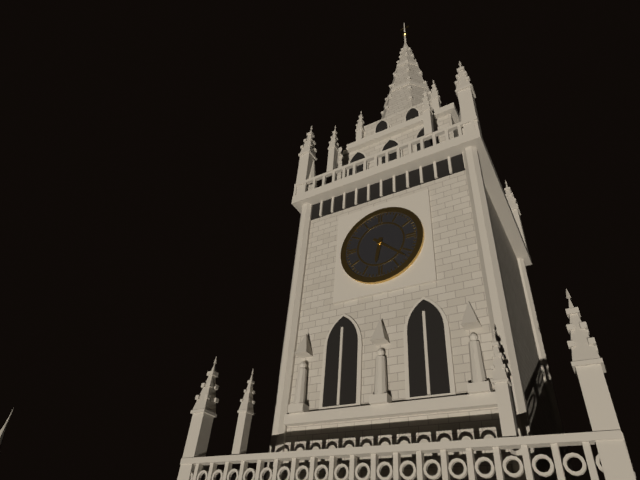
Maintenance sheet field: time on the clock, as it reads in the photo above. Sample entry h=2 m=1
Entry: h=6 m=22
